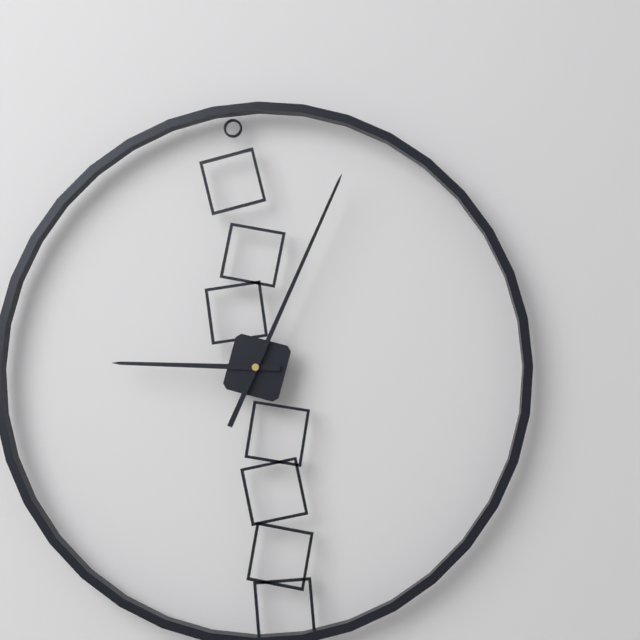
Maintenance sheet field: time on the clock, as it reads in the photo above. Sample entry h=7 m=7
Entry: h=9 m=4
